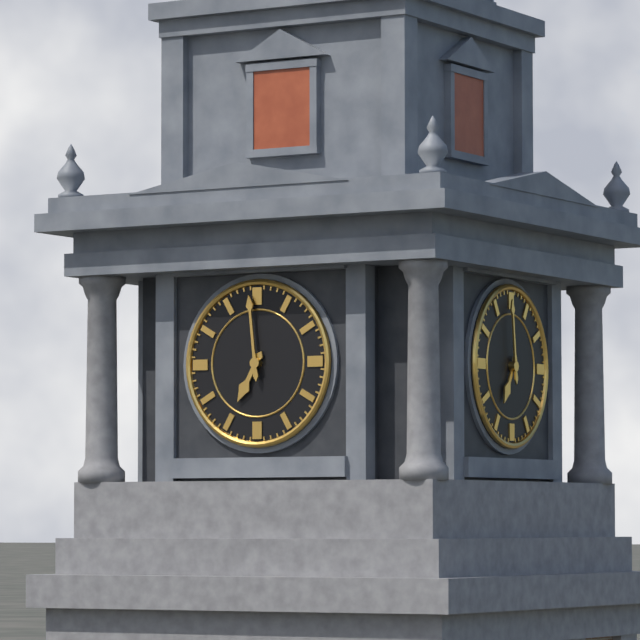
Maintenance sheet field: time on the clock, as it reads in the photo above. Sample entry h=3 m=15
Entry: h=6 m=59
